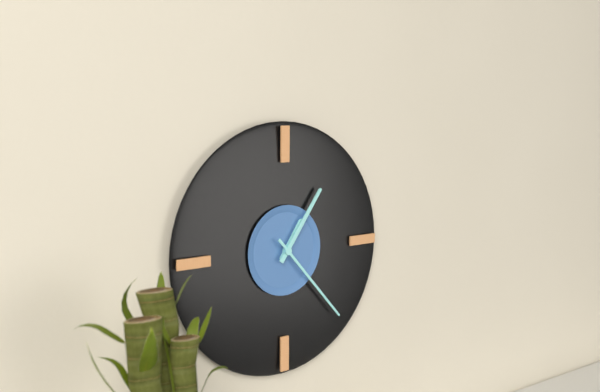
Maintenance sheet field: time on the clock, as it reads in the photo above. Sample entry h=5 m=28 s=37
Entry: h=1 m=6 s=23
